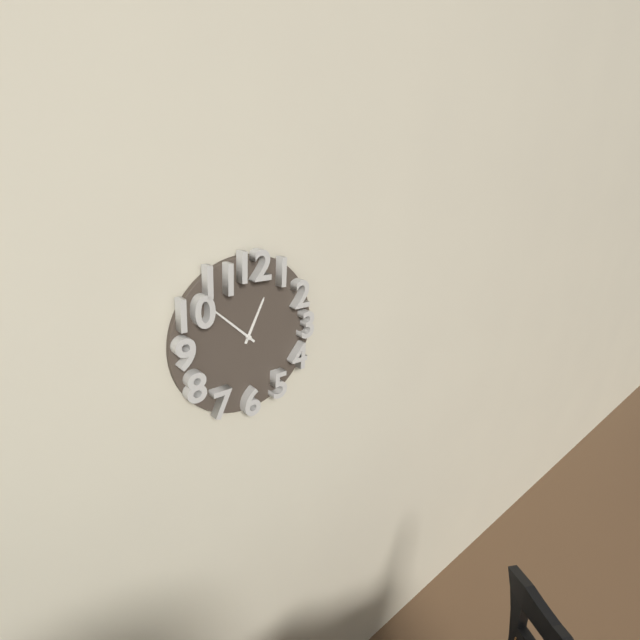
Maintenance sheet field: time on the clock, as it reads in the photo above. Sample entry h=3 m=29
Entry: h=12 m=52
